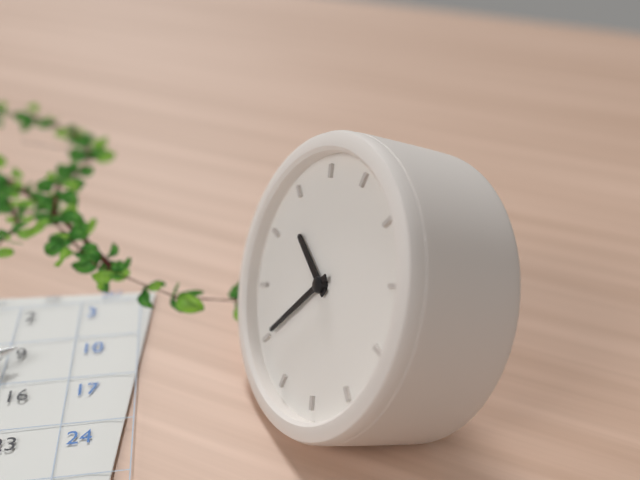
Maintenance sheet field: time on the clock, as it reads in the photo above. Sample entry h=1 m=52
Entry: h=9 m=35
